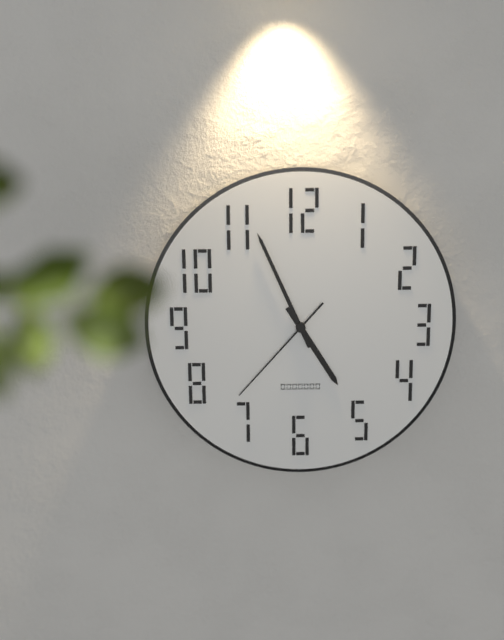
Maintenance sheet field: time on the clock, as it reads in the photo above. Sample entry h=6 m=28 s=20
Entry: h=4 m=56 s=37
